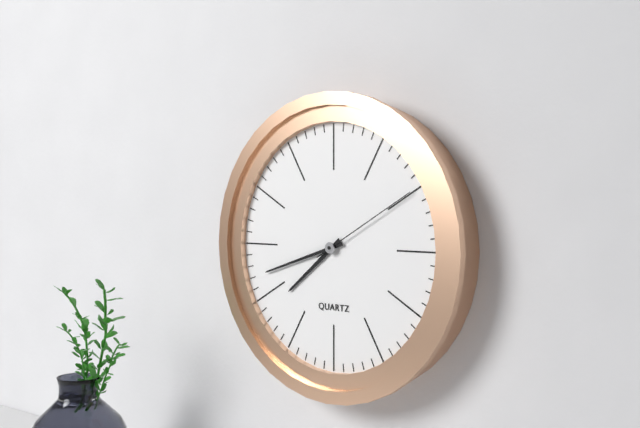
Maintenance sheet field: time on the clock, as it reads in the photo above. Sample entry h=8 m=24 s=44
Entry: h=7 m=42 s=10
